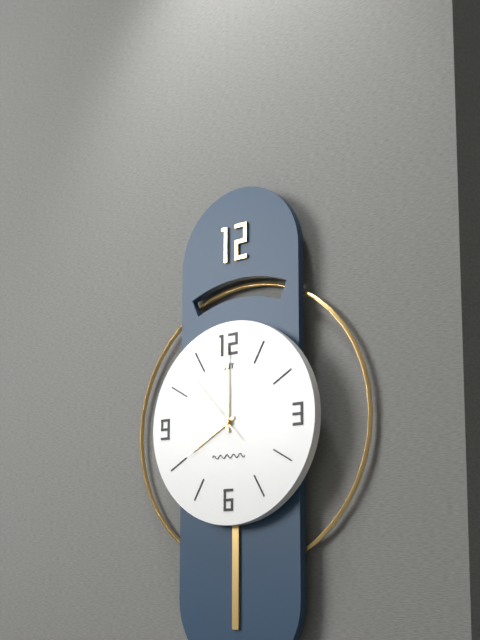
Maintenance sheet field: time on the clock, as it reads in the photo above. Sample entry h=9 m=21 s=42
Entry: h=8 m=0 s=53
